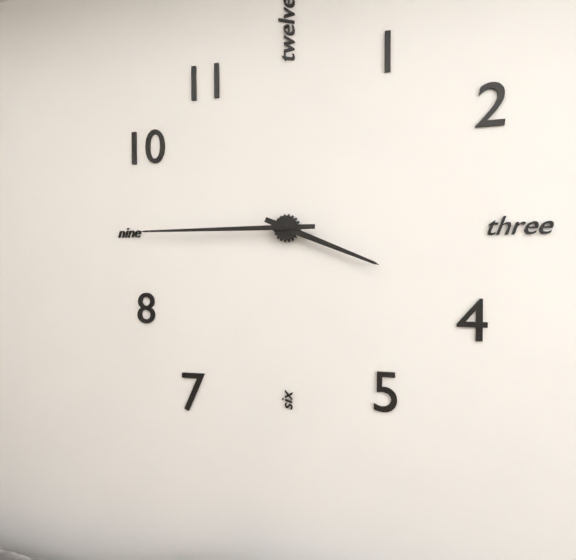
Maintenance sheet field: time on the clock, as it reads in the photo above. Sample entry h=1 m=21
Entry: h=3 m=45
